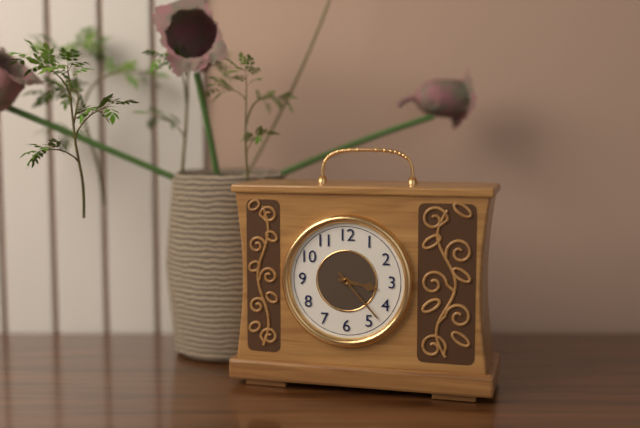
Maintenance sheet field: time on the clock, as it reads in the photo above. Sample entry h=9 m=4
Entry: h=3 m=23
